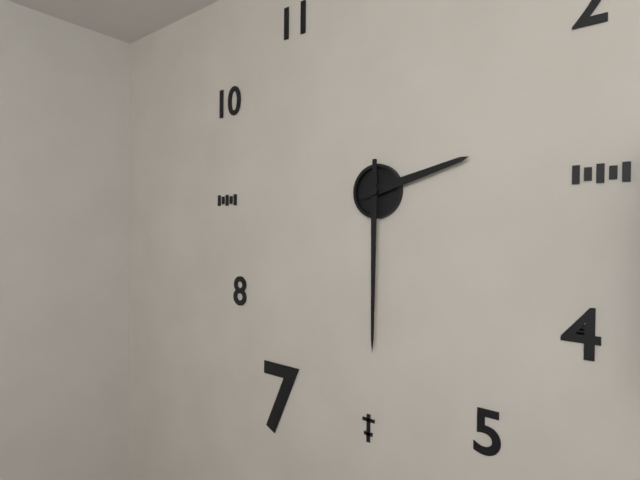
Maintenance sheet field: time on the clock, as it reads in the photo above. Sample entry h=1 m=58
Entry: h=2 m=30
